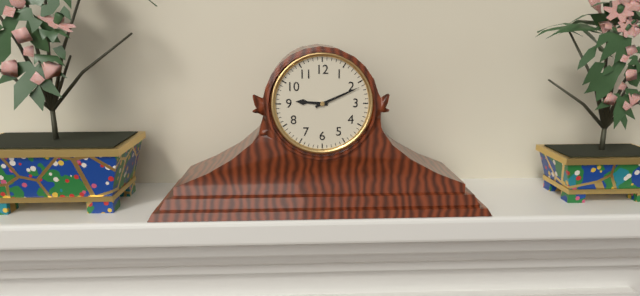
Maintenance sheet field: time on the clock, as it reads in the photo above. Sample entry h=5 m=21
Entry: h=9 m=11
